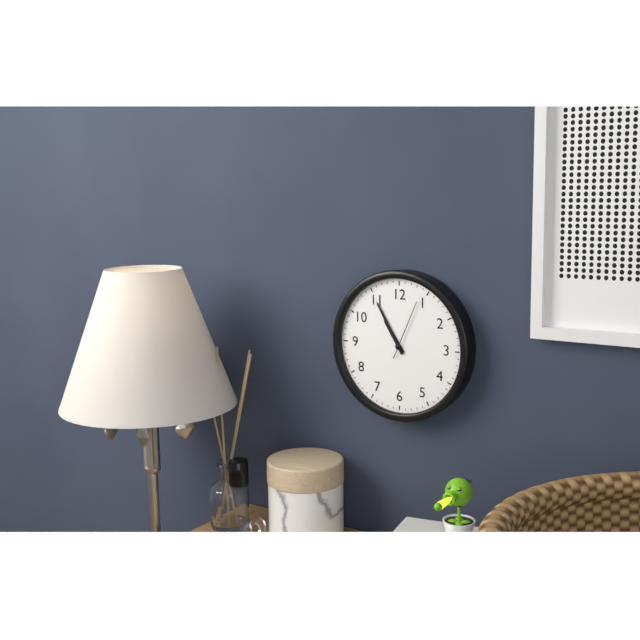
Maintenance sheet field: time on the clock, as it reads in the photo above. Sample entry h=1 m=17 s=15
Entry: h=10 m=55 s=4
